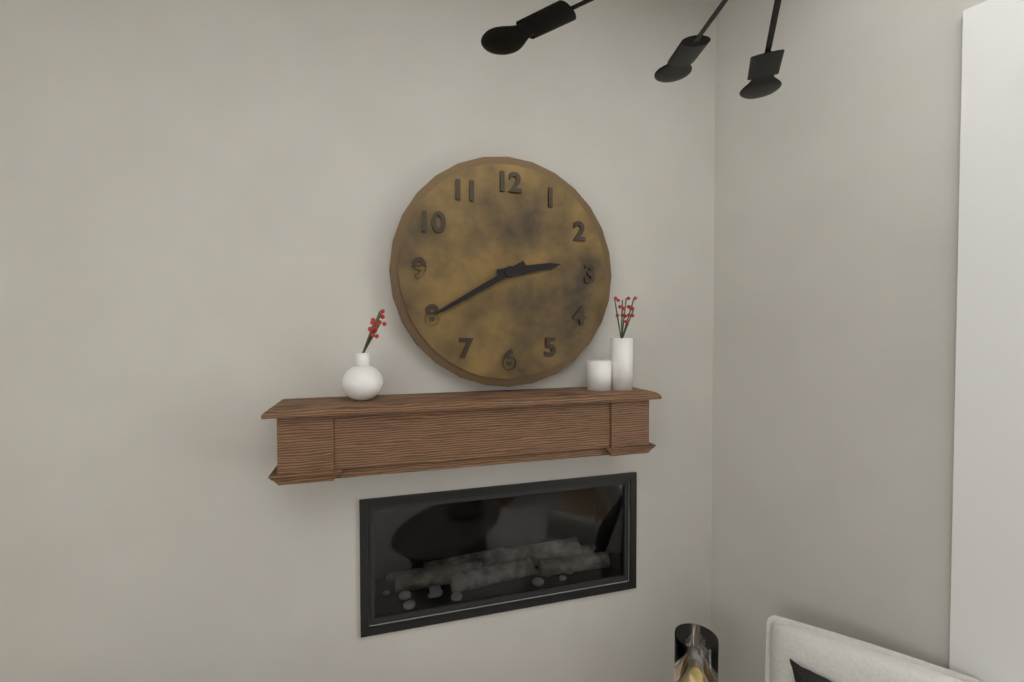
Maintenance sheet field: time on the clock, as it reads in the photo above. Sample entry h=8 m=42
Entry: h=2 m=40
